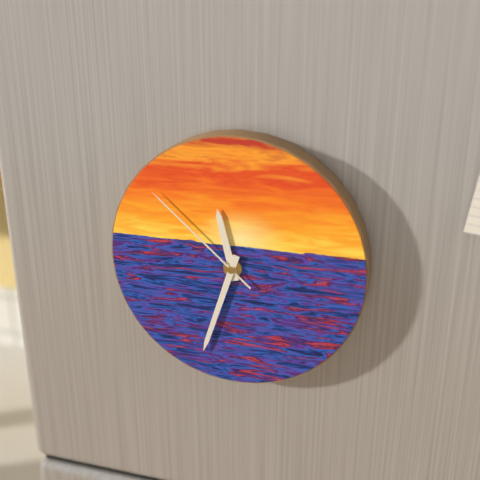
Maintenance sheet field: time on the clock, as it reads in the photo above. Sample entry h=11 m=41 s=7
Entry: h=11 m=33 s=52
